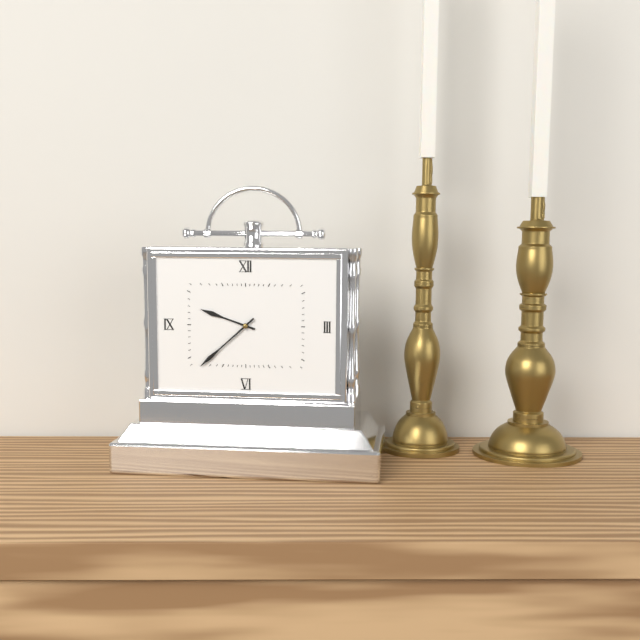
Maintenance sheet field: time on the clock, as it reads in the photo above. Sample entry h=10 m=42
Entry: h=9 m=38
